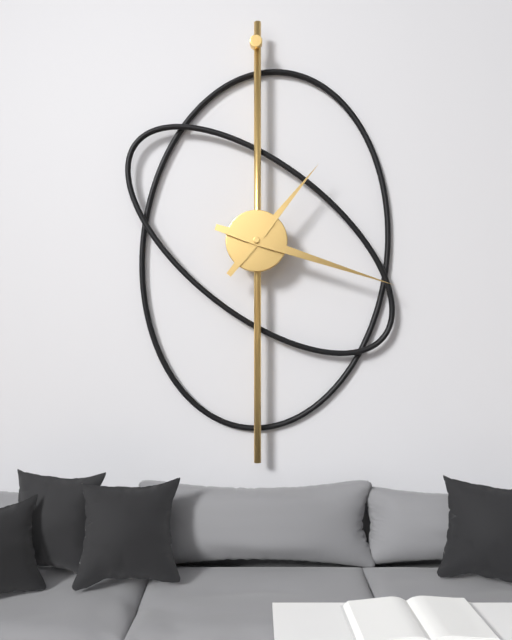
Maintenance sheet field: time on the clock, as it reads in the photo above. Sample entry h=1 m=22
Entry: h=1 m=18
